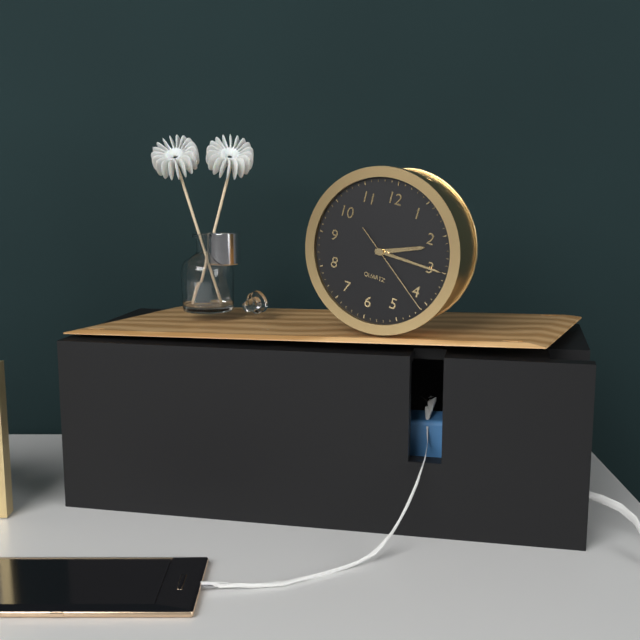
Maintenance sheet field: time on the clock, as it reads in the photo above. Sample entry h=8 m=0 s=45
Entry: h=2 m=15 s=21
